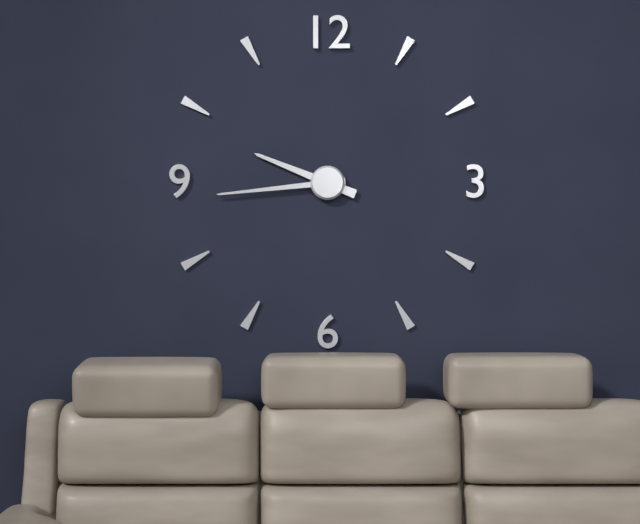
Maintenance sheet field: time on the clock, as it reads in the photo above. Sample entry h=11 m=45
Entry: h=9 m=44
